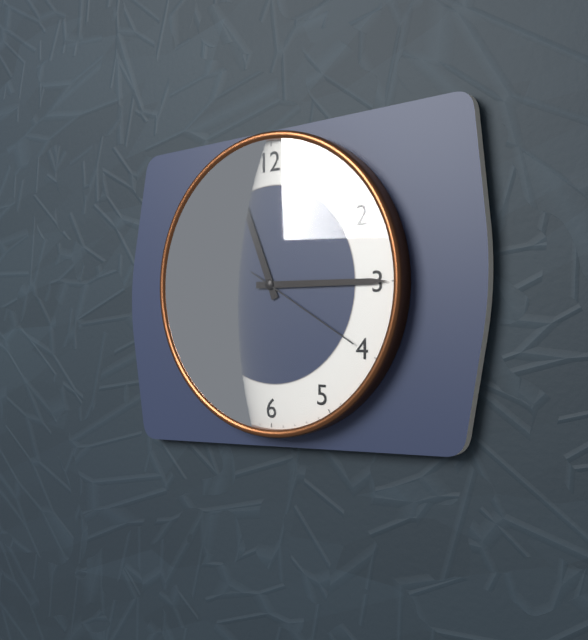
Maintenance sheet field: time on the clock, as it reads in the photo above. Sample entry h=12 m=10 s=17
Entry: h=11 m=15 s=20
